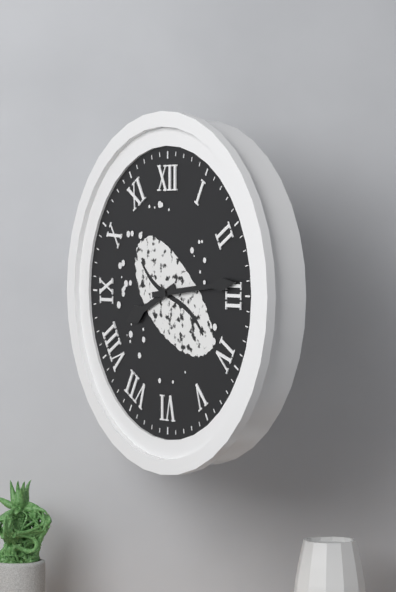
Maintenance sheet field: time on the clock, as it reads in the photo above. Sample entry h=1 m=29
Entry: h=8 m=14
